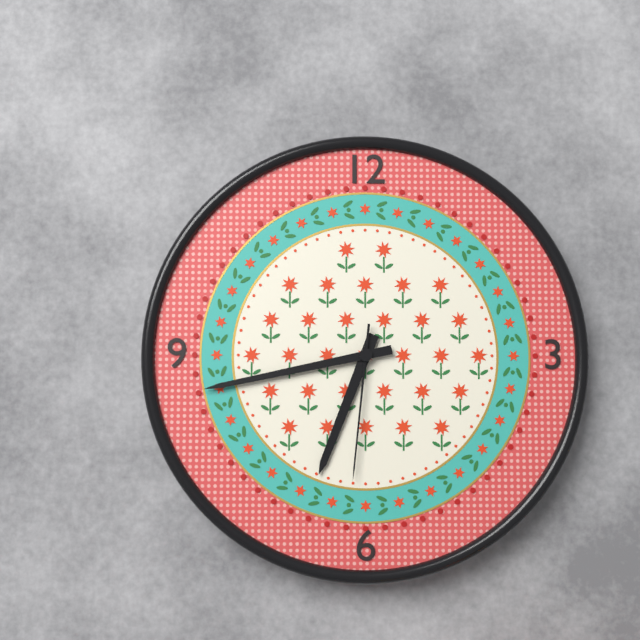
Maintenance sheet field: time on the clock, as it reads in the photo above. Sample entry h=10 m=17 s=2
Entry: h=6 m=43 s=31
